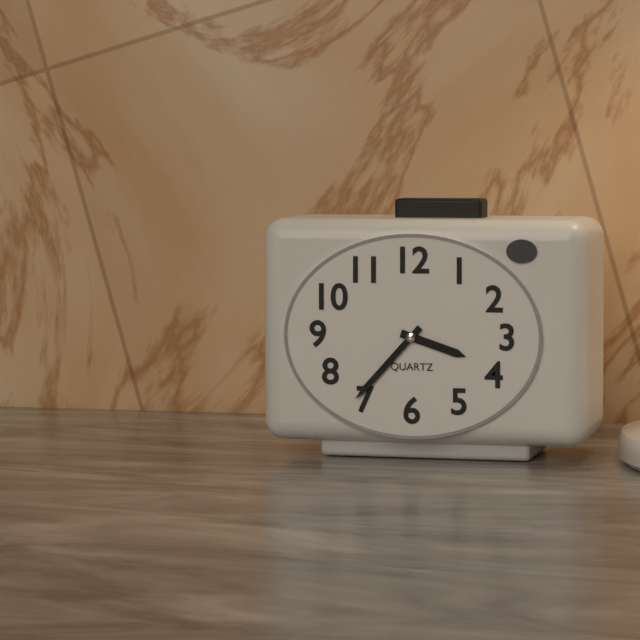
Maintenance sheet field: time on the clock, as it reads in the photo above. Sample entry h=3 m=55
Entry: h=3 m=37
